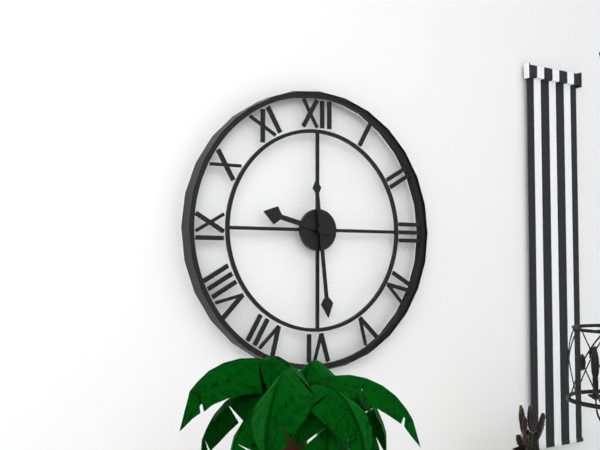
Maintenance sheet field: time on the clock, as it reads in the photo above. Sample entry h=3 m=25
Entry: h=9 m=29
